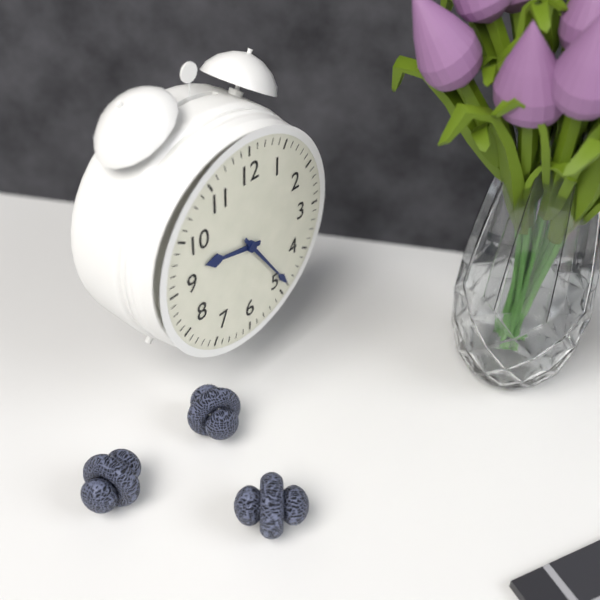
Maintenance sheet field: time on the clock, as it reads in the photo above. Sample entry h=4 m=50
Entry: h=9 m=24
